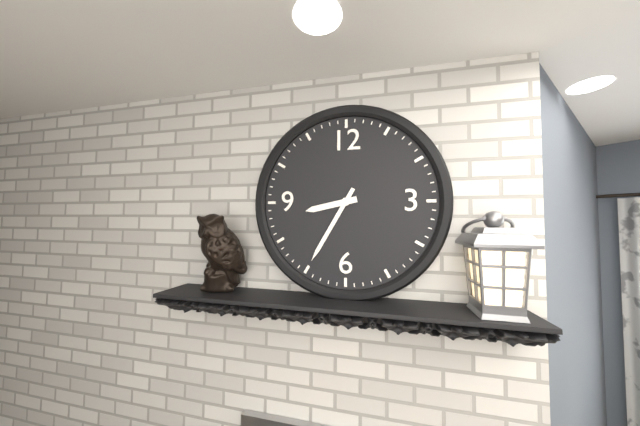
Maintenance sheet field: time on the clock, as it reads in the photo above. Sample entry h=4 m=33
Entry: h=8 m=35
